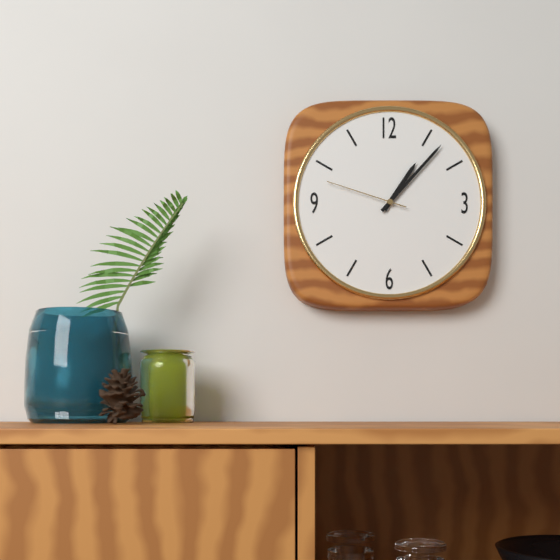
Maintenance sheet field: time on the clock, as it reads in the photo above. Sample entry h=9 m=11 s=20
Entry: h=1 m=7 s=48
